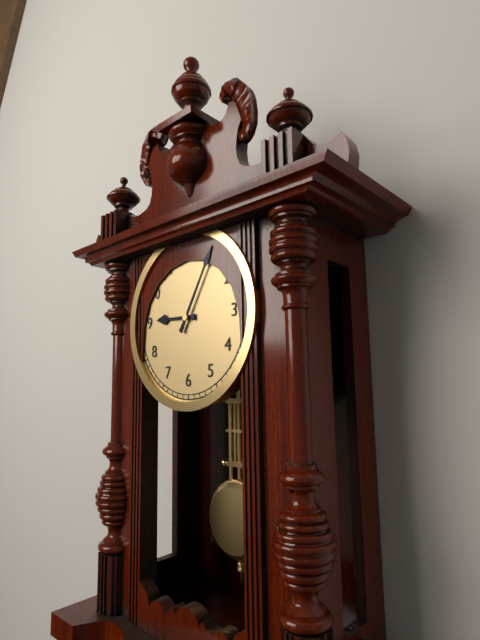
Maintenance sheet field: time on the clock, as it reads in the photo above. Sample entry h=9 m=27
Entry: h=9 m=5
